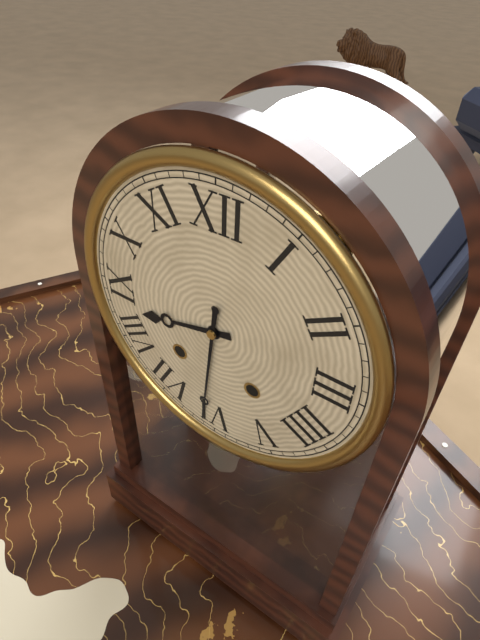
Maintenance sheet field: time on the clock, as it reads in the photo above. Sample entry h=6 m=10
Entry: h=8 m=31
